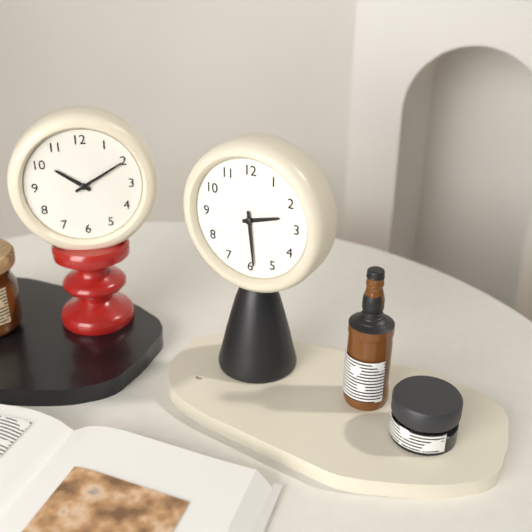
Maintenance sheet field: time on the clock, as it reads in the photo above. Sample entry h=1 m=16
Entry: h=2 m=29
